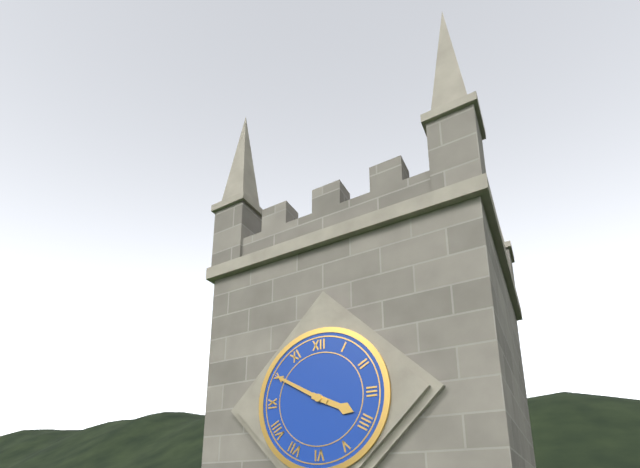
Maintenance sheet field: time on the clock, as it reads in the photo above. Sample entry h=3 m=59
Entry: h=3 m=50
